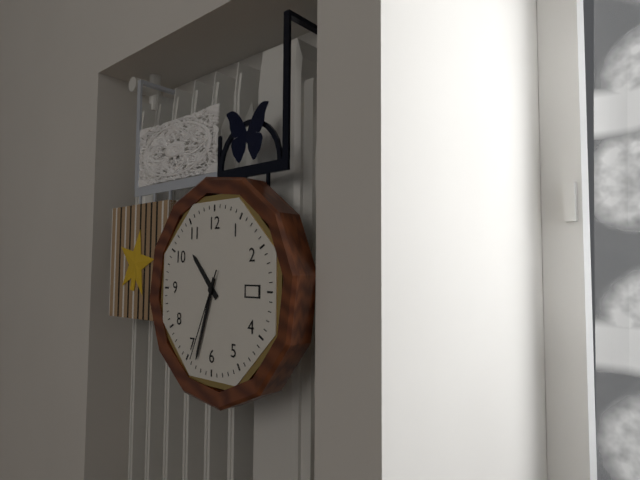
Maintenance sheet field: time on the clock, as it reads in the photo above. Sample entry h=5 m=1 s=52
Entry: h=10 m=33 s=34
